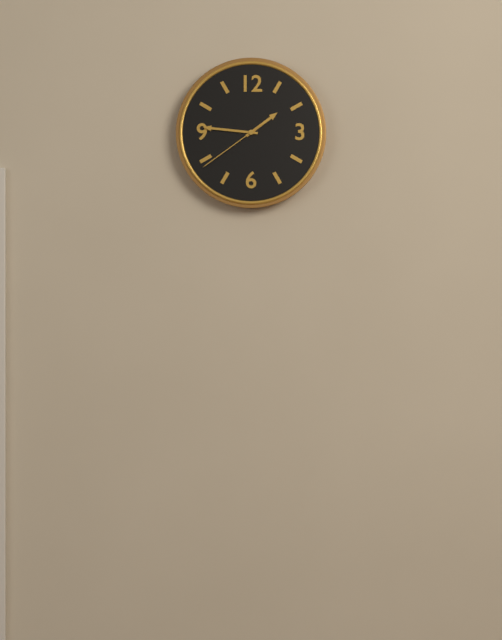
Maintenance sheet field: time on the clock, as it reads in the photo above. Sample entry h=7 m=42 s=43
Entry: h=1 m=46 s=39
